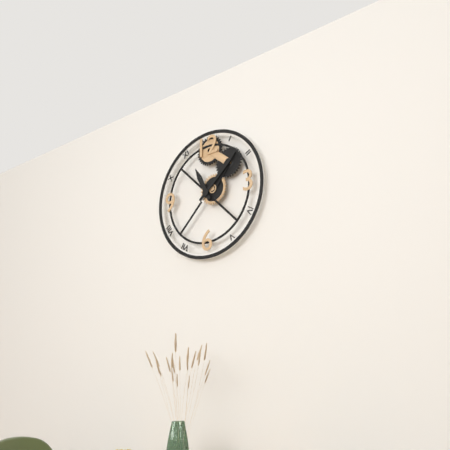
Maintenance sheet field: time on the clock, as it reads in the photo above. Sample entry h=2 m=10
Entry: h=11 m=8
